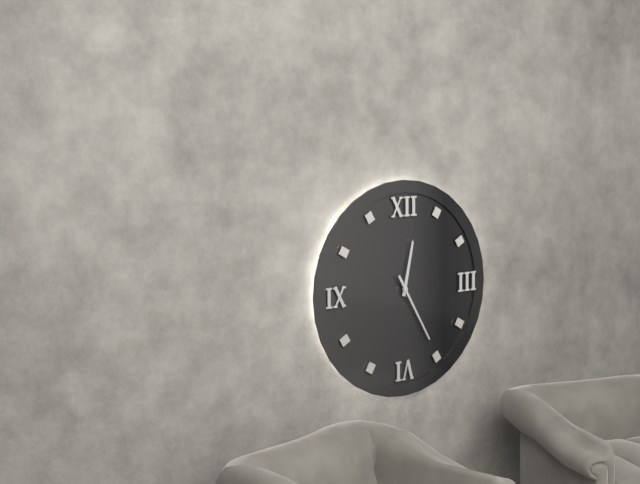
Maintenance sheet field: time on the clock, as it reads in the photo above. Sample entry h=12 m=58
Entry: h=12 m=25
